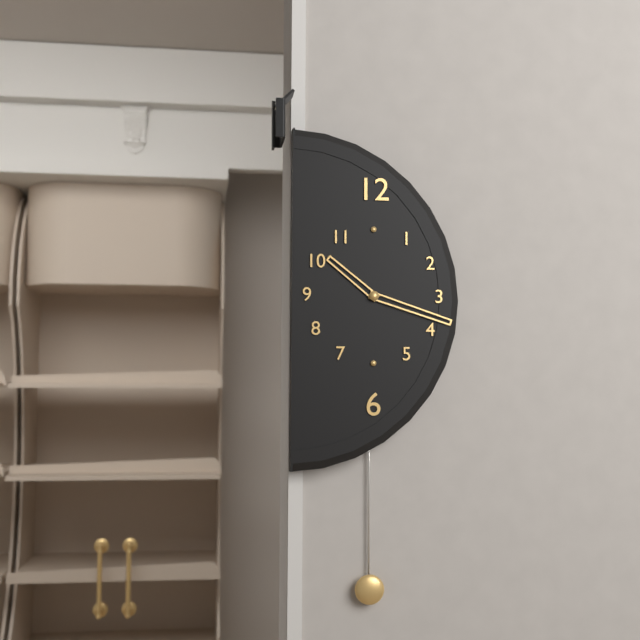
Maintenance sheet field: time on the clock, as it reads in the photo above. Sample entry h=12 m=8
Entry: h=10 m=18
